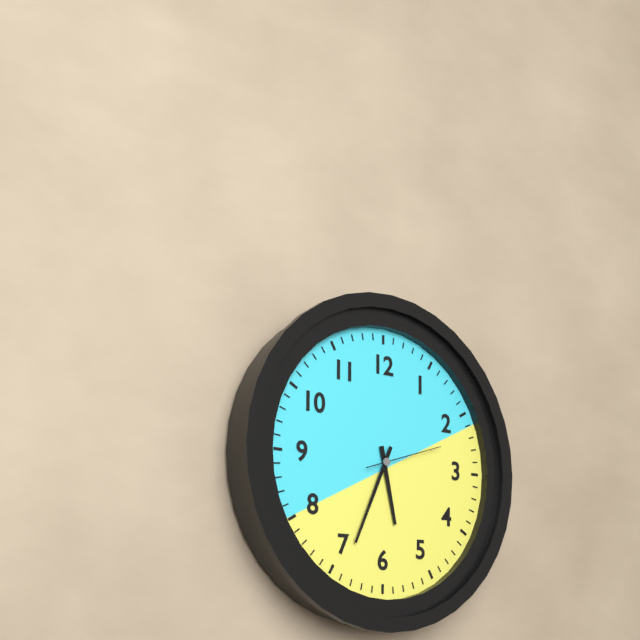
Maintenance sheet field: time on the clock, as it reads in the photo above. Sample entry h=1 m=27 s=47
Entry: h=5 m=34 s=12
